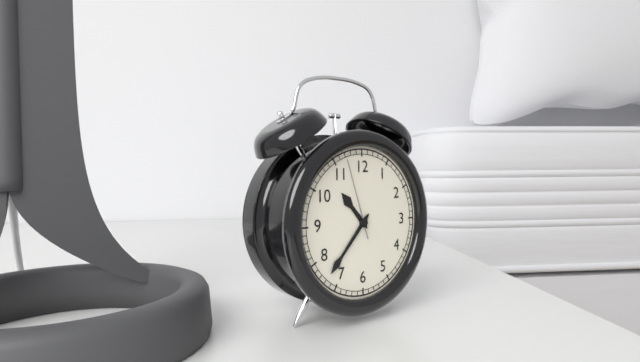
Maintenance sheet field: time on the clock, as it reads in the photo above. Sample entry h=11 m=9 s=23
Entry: h=10 m=37 s=57
